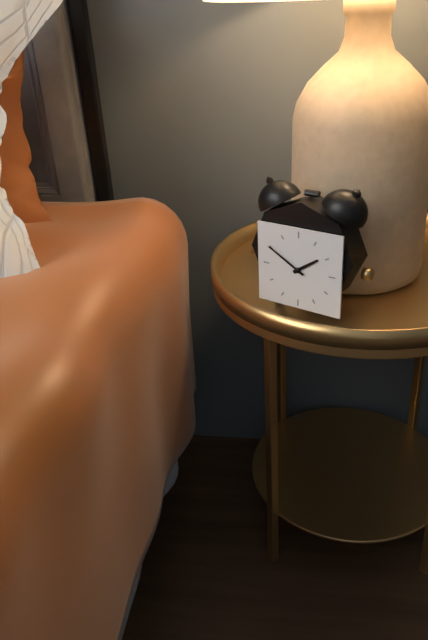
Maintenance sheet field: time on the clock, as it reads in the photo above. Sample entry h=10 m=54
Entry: h=1 m=50
